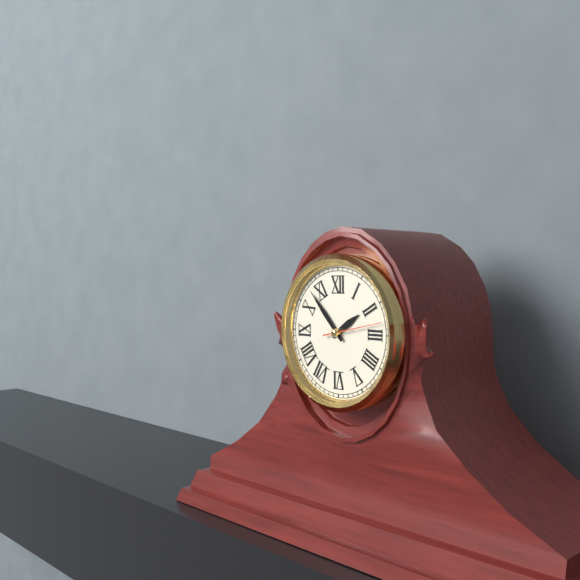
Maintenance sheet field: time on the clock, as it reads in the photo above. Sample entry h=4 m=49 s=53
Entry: h=1 m=53 s=13
